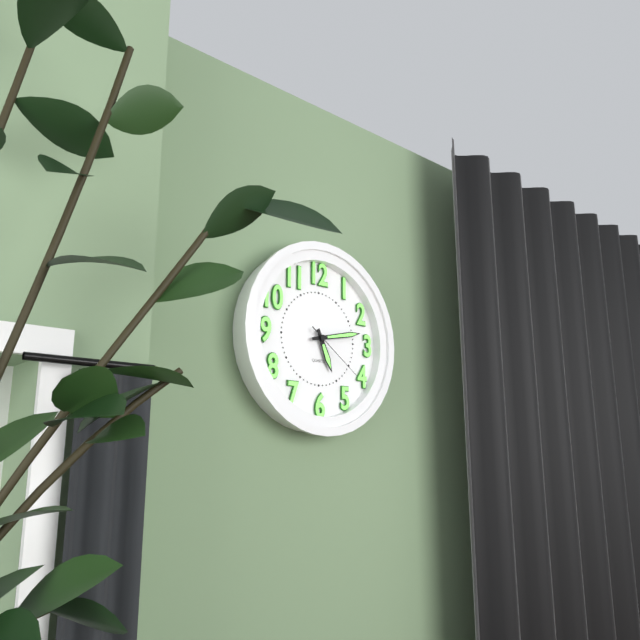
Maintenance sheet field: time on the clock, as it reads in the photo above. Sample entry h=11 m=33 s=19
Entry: h=5 m=13 s=21
